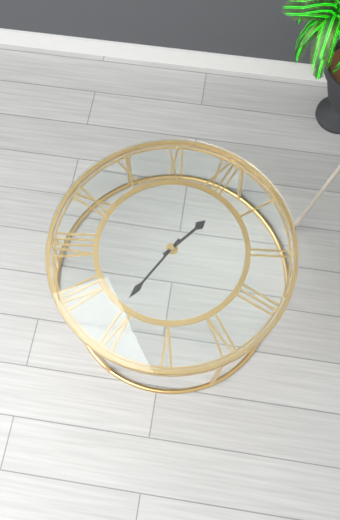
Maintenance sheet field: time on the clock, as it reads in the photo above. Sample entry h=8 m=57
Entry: h=12 m=31
